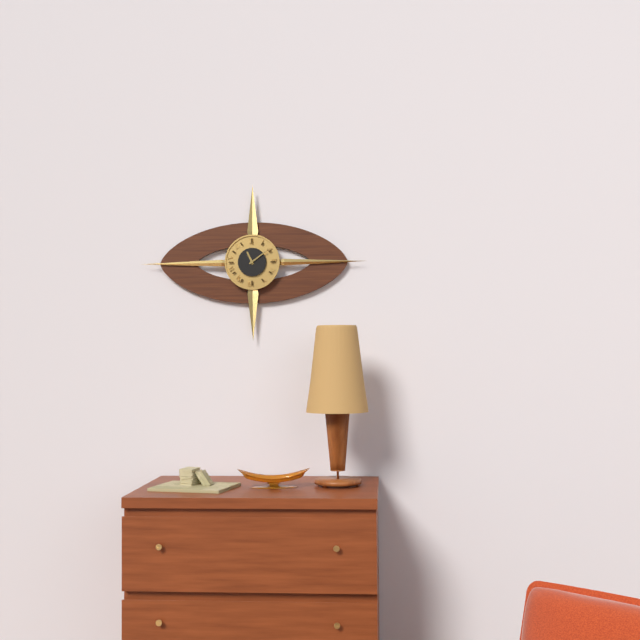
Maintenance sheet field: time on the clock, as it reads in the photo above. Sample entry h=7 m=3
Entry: h=11 m=9
